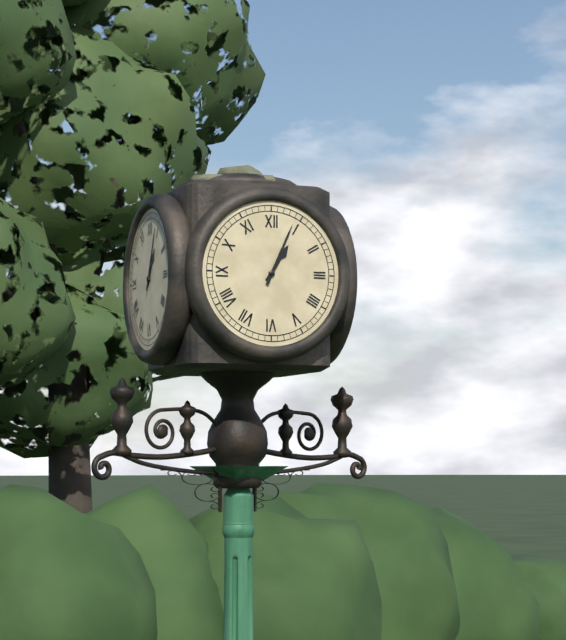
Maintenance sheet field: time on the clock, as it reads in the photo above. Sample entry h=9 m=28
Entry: h=1 m=4
